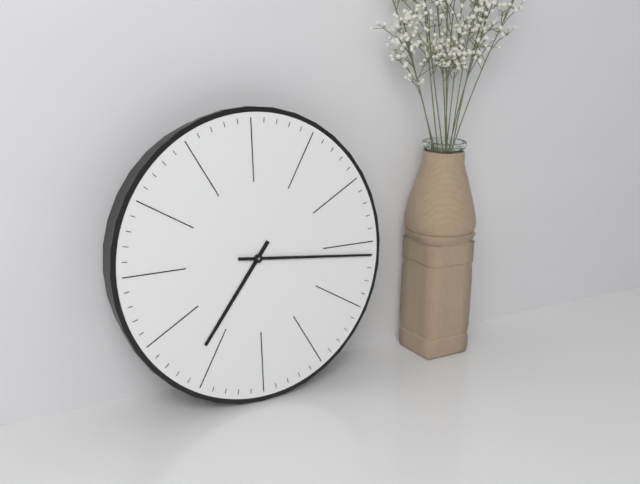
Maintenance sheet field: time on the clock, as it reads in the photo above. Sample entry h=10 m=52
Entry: h=7 m=16
